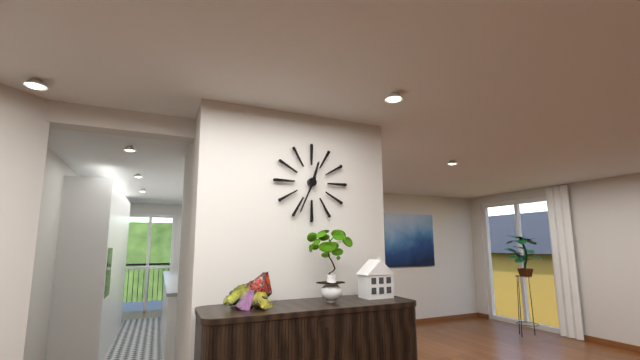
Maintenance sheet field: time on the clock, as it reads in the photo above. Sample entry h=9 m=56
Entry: h=12 m=34
